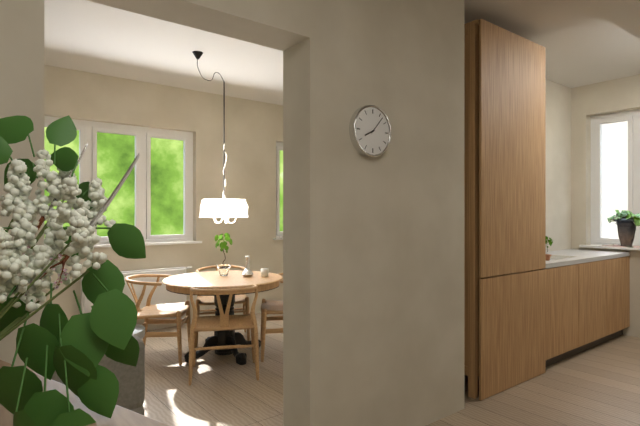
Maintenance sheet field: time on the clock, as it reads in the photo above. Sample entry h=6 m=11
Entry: h=8 m=7
